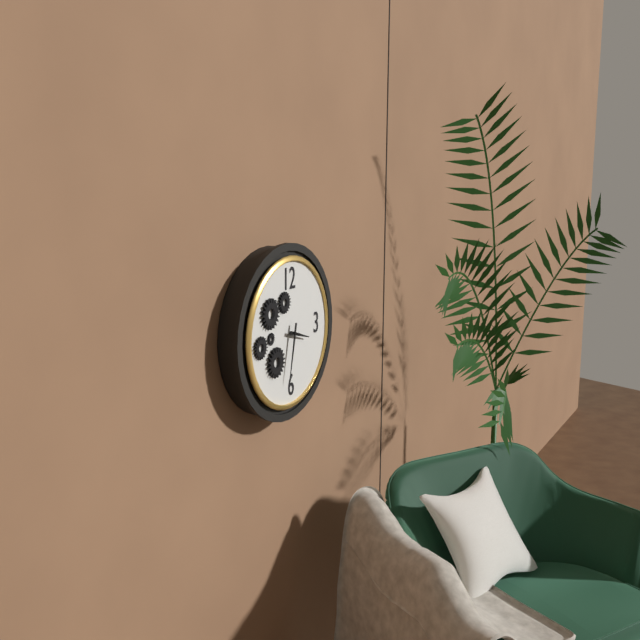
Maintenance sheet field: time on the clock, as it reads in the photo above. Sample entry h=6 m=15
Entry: h=3 m=32
